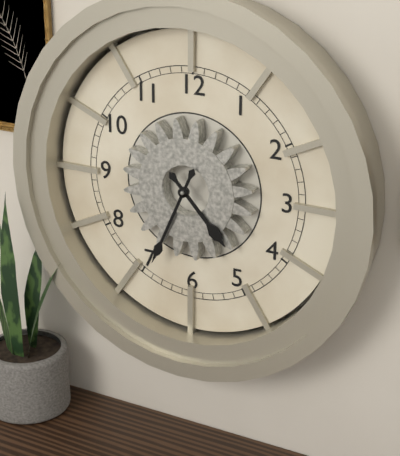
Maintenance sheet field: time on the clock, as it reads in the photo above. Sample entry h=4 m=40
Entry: h=4 m=34
